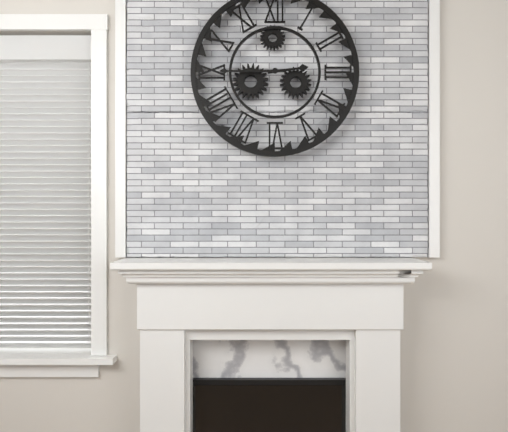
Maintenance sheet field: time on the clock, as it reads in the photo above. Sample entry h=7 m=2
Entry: h=2 m=45
